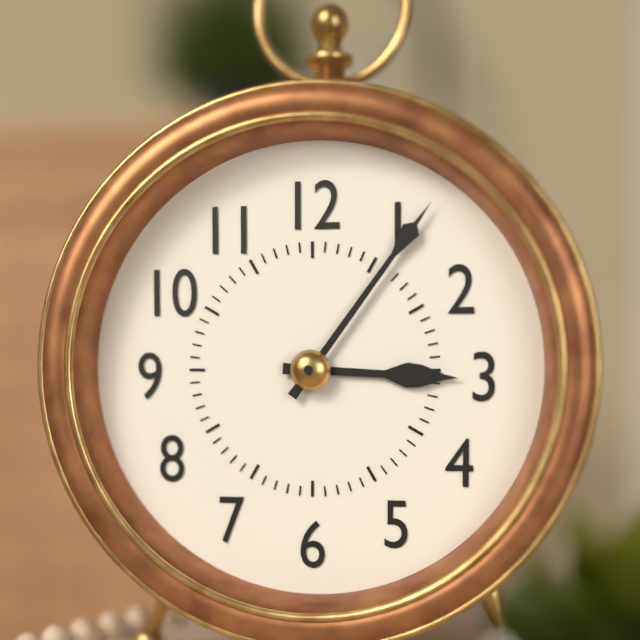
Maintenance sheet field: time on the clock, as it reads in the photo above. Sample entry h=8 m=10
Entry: h=3 m=6
